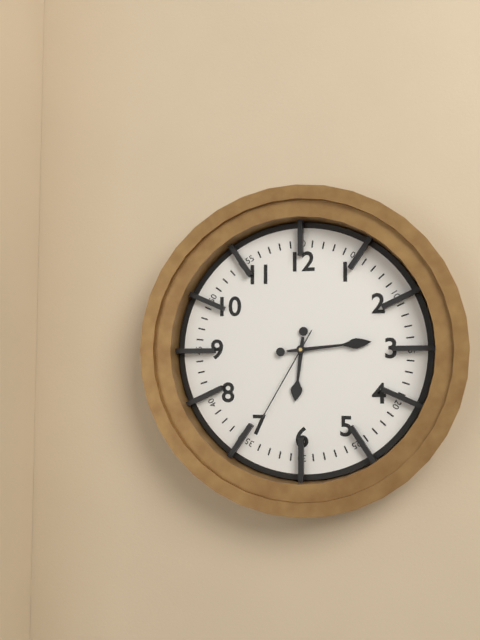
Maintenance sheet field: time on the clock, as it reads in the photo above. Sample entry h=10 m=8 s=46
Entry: h=6 m=14 s=35
